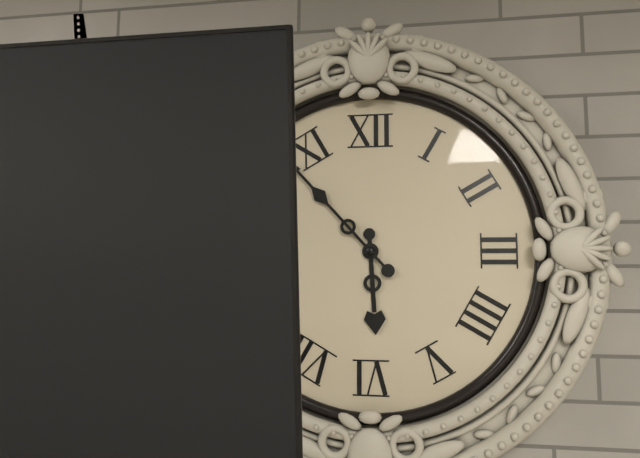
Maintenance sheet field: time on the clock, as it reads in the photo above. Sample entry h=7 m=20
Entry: h=5 m=53
